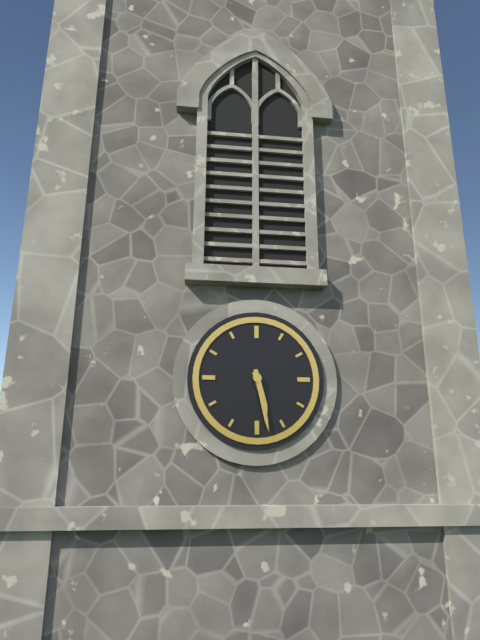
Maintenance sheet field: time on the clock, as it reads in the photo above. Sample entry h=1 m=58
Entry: h=5 m=28
